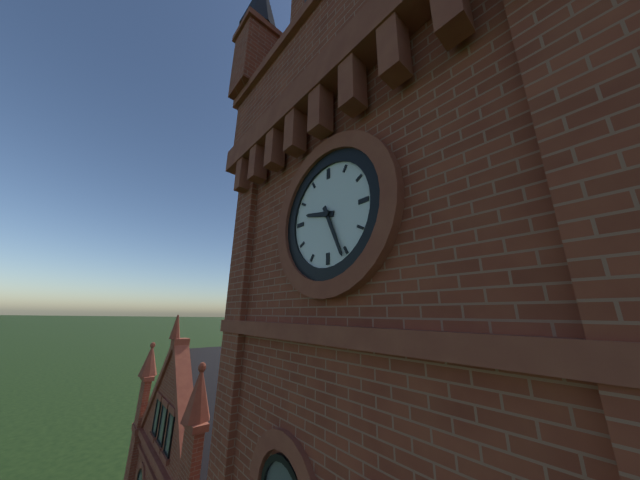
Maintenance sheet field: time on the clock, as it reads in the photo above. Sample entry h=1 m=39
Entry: h=9 m=26
